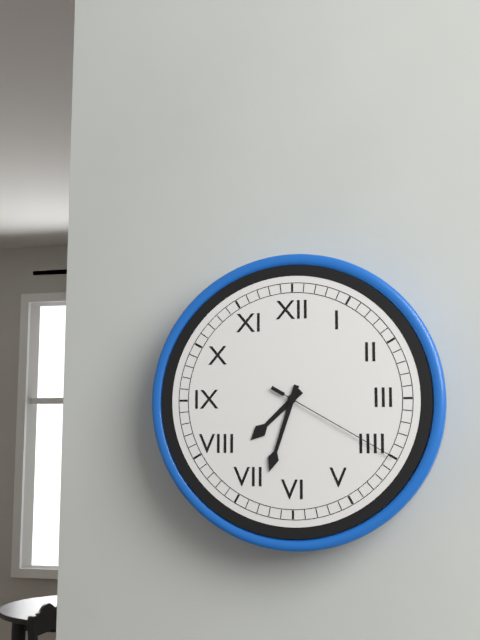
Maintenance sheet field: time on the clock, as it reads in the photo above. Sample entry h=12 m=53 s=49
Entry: h=7 m=33 s=20
